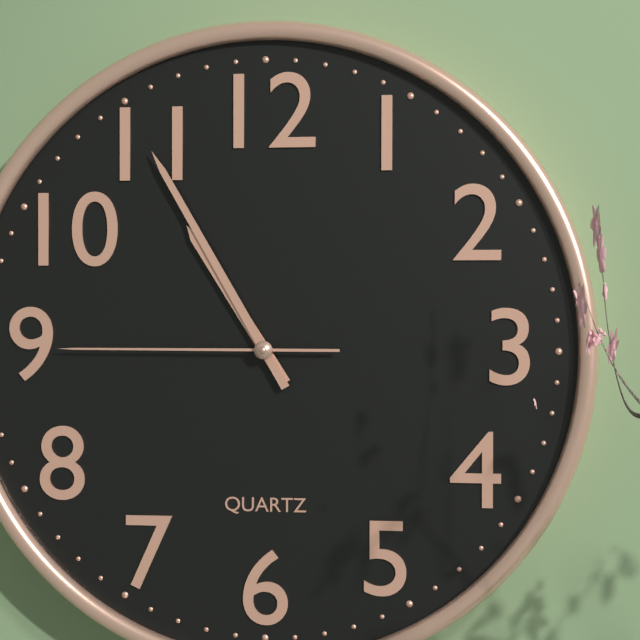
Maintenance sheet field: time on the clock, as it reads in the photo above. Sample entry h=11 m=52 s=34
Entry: h=10 m=55 s=45
